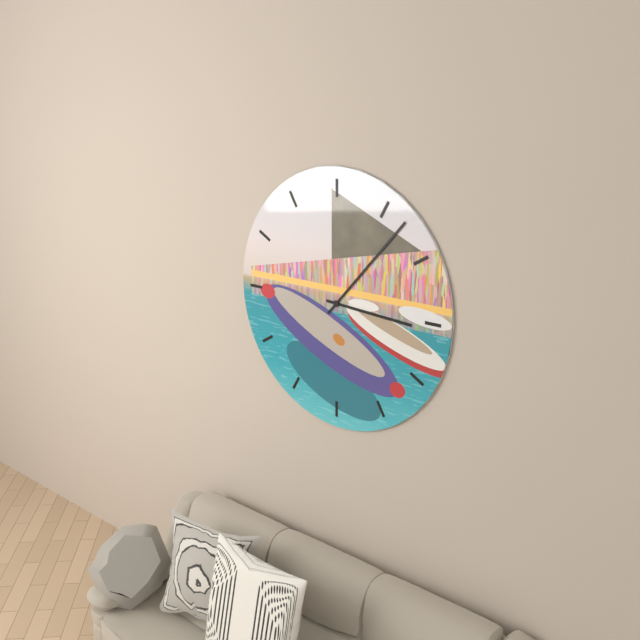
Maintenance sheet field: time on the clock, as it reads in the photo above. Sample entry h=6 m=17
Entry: h=3 m=7
